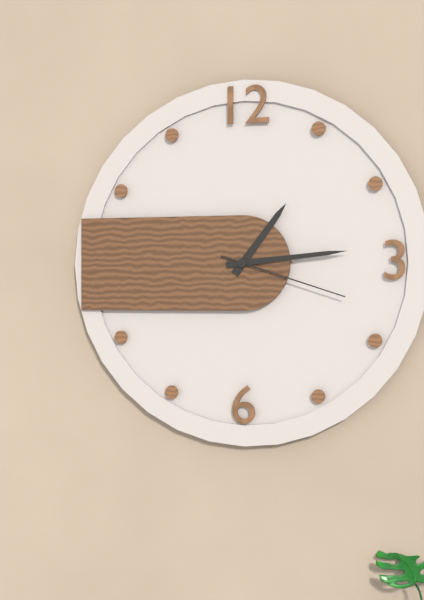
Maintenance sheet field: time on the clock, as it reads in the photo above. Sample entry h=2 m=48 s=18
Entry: h=1 m=14 s=18
